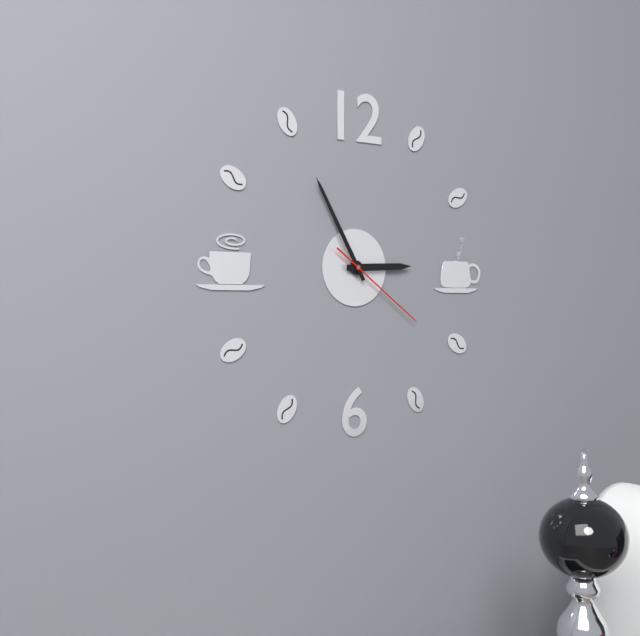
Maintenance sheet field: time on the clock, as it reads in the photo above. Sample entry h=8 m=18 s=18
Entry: h=2 m=55 s=21
